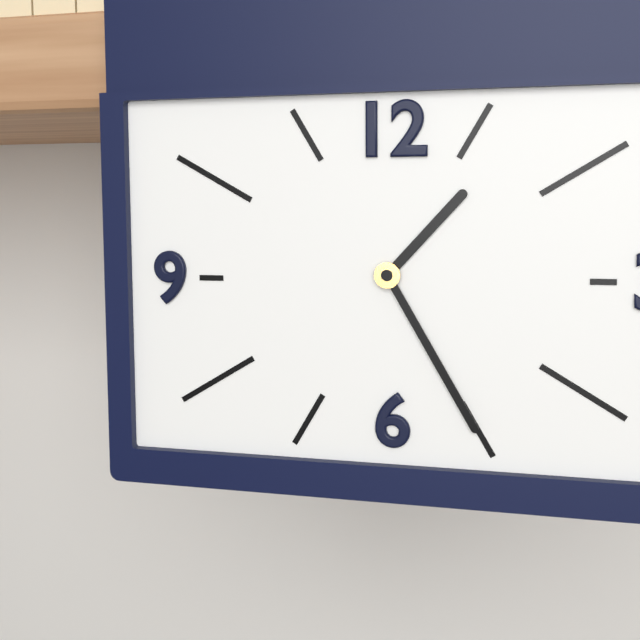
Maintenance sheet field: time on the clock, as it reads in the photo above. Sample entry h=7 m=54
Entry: h=1 m=25
